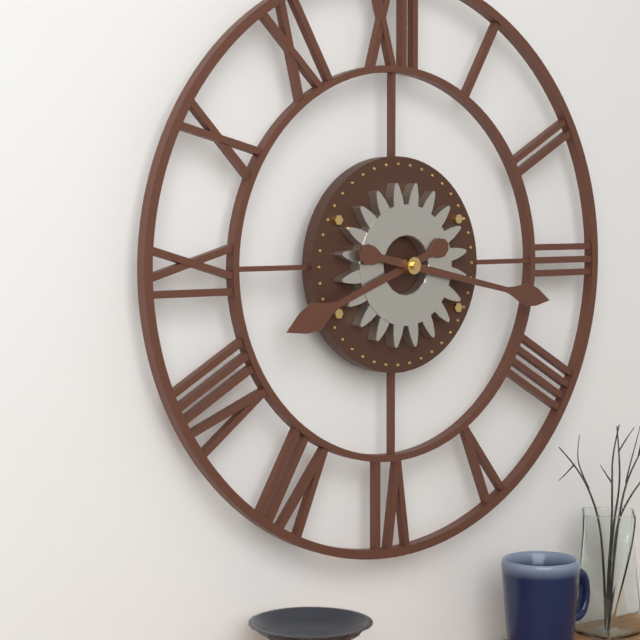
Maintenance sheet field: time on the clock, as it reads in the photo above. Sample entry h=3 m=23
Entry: h=8 m=17
